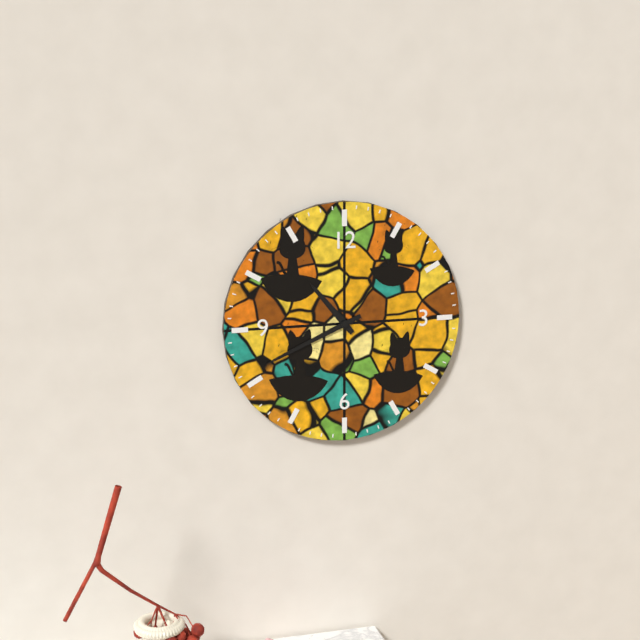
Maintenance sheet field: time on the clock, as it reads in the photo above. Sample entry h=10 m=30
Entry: h=10 m=41
